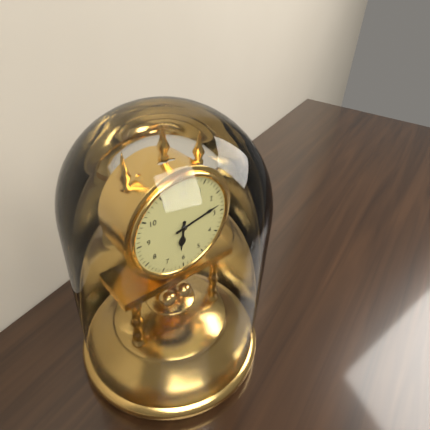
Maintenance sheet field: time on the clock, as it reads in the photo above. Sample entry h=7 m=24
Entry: h=6 m=13
